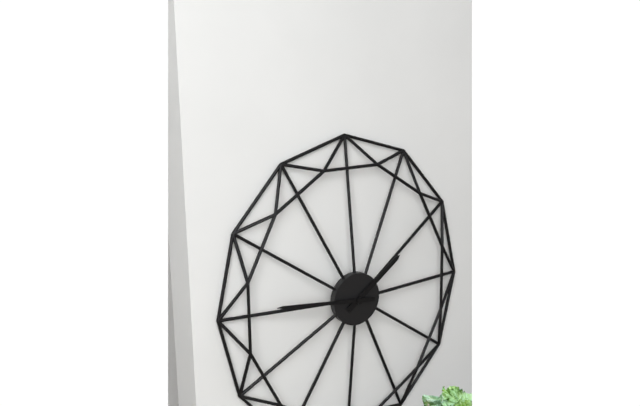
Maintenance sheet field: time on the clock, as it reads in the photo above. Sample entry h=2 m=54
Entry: h=1 m=46
